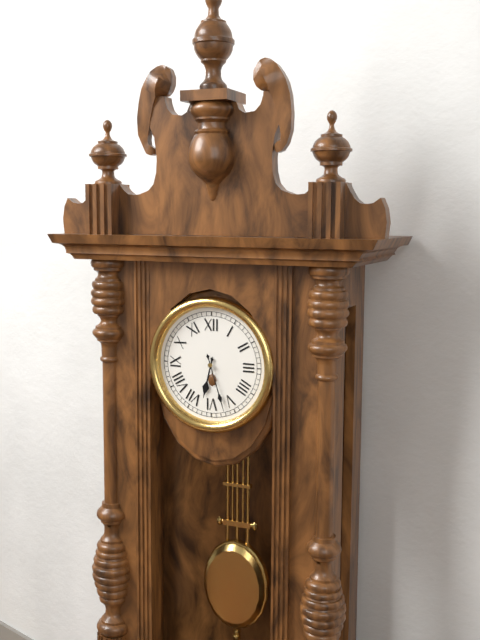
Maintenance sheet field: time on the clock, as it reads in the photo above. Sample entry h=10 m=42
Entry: h=6 m=27
